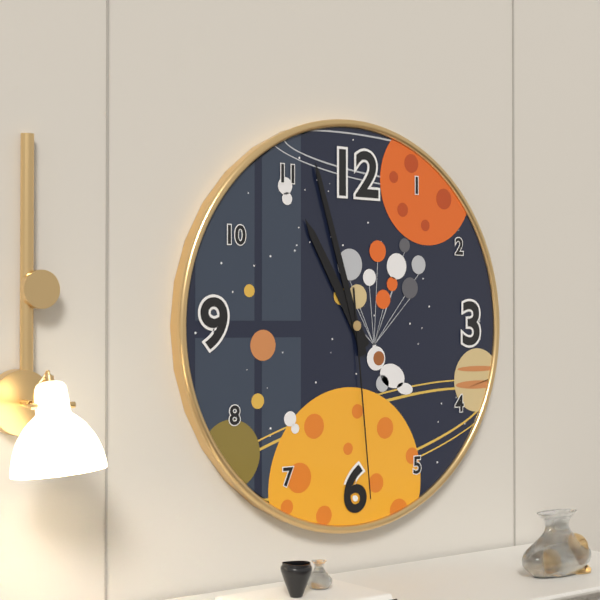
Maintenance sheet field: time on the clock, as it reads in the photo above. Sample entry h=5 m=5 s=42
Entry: h=10 m=57 s=29
